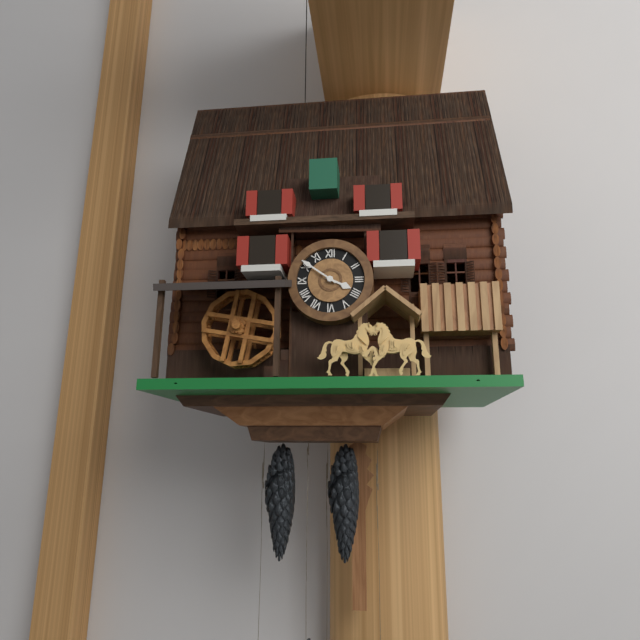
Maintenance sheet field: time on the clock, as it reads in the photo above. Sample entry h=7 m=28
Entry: h=3 m=51
